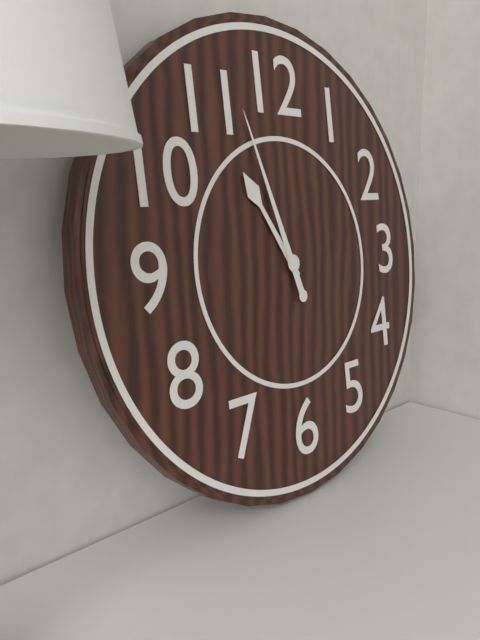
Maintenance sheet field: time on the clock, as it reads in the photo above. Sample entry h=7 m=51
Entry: h=10 m=57
